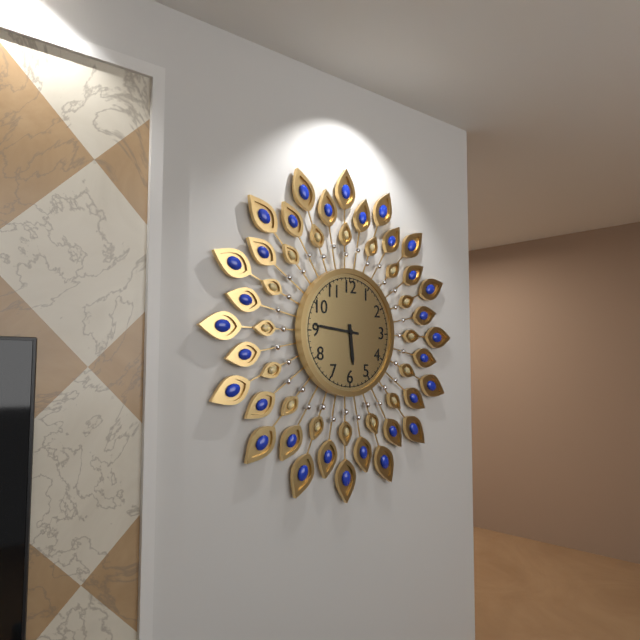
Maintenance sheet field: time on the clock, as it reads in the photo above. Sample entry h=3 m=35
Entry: h=5 m=46
